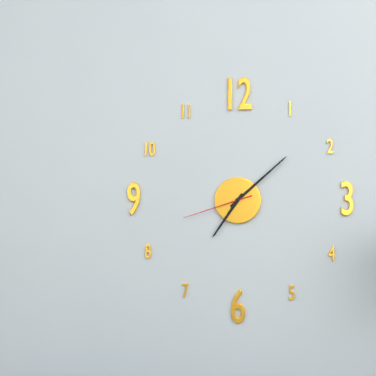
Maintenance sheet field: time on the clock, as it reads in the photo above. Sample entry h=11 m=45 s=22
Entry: h=7 m=8 s=42
